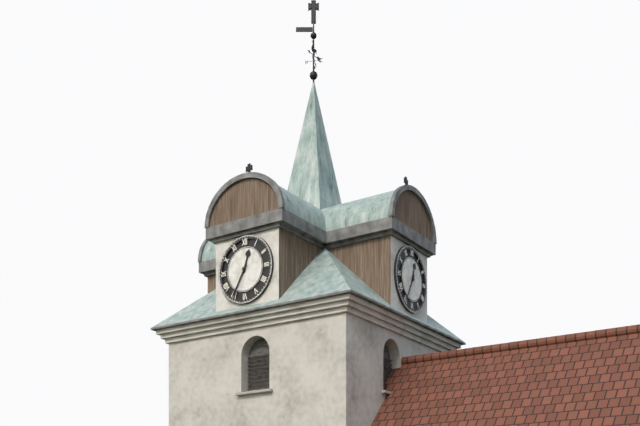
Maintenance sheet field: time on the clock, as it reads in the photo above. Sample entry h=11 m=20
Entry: h=12 m=35
